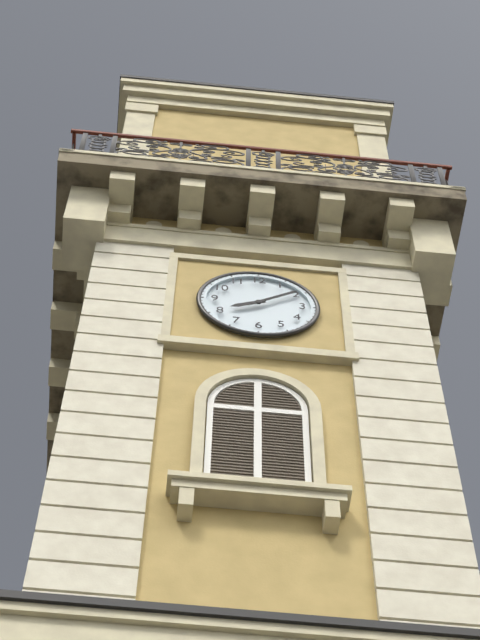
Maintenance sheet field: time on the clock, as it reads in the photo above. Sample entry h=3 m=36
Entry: h=8 m=9
